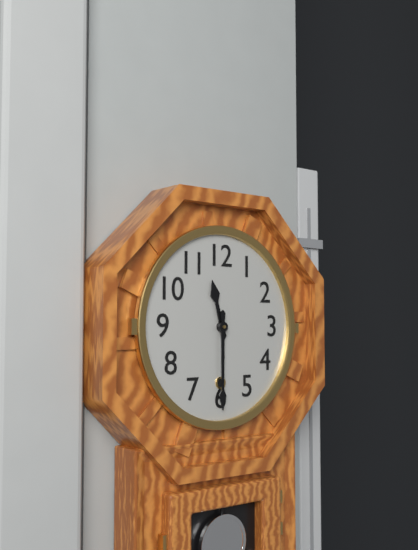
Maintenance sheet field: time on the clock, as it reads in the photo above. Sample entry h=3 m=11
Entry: h=11 m=30
